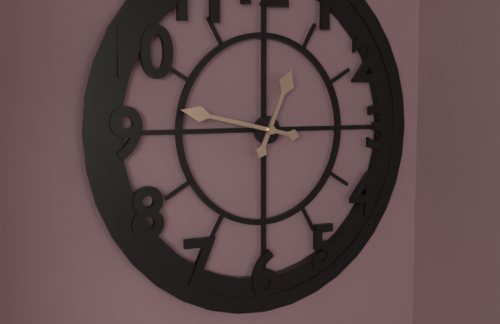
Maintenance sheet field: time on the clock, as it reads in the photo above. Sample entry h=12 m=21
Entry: h=12 m=47
